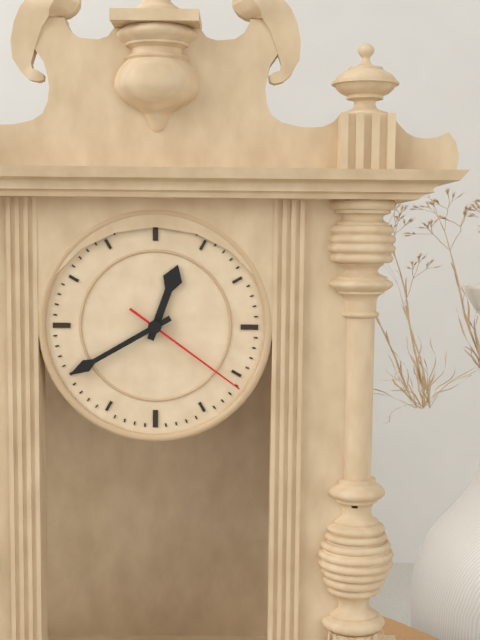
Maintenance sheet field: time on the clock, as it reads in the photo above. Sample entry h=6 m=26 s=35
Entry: h=12 m=40 s=21
